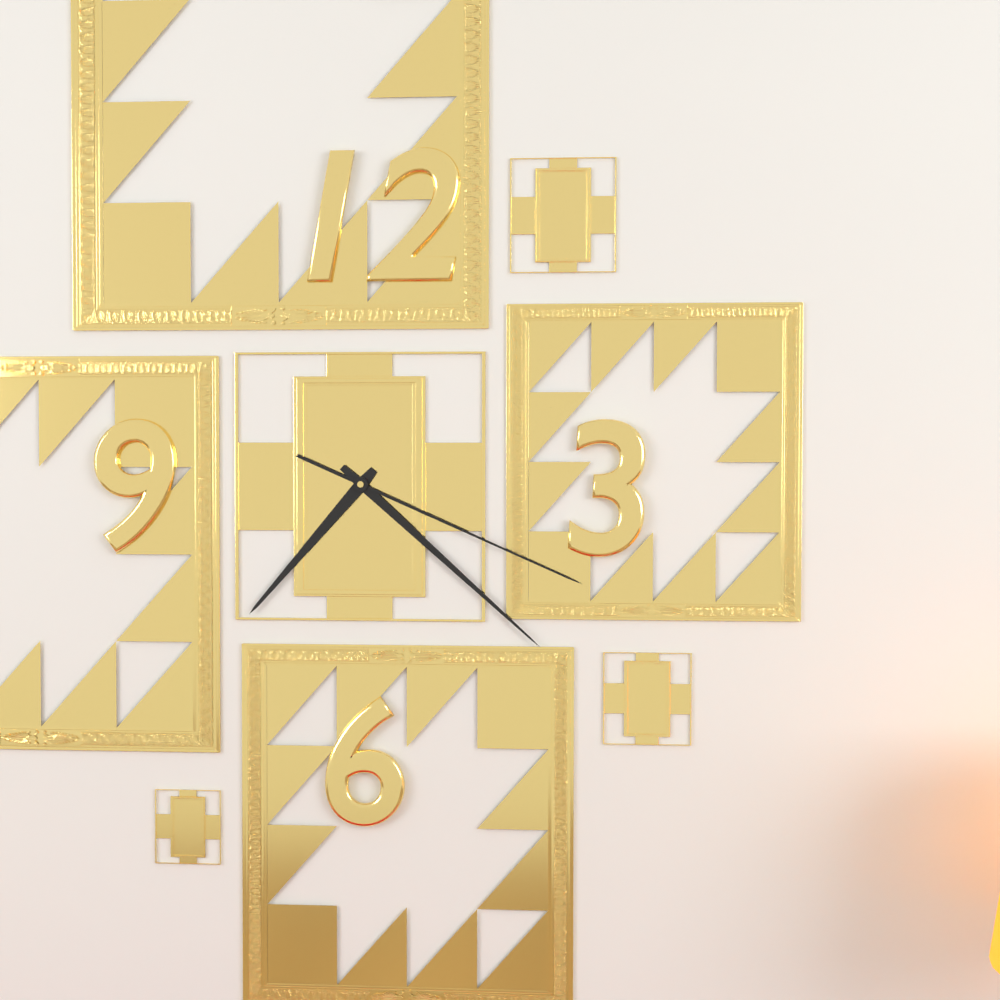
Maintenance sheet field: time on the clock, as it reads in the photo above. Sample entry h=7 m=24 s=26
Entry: h=7 m=22 s=19
